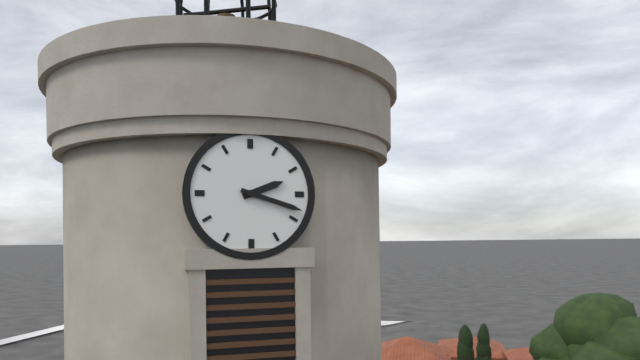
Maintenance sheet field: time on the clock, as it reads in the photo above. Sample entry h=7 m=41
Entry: h=2 m=18
